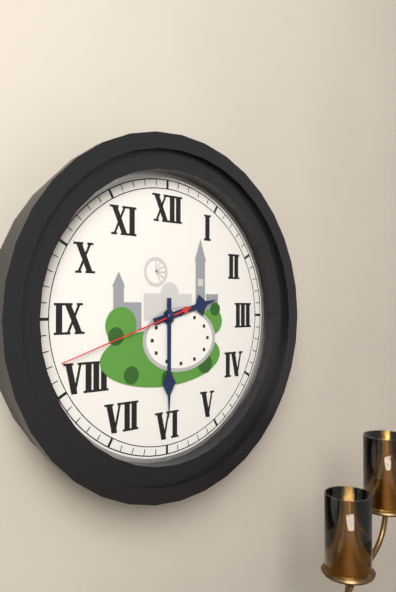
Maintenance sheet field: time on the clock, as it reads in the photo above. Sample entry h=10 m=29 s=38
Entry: h=2 m=30 s=42
